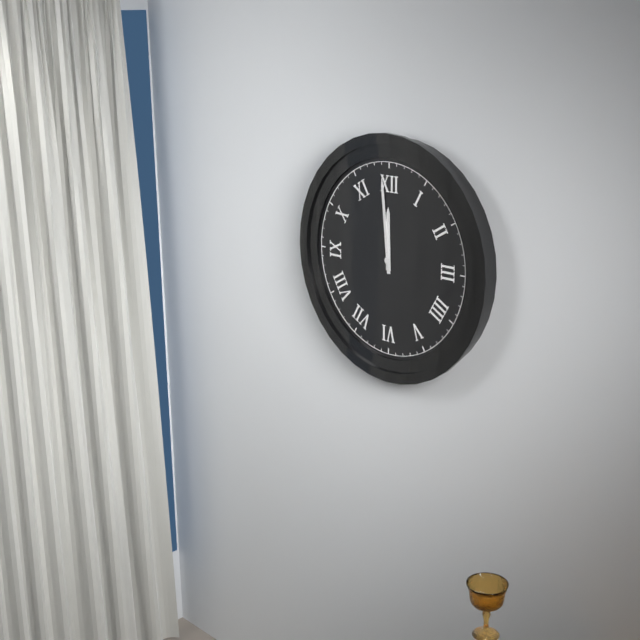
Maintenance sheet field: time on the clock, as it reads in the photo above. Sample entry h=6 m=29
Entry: h=11 m=59
